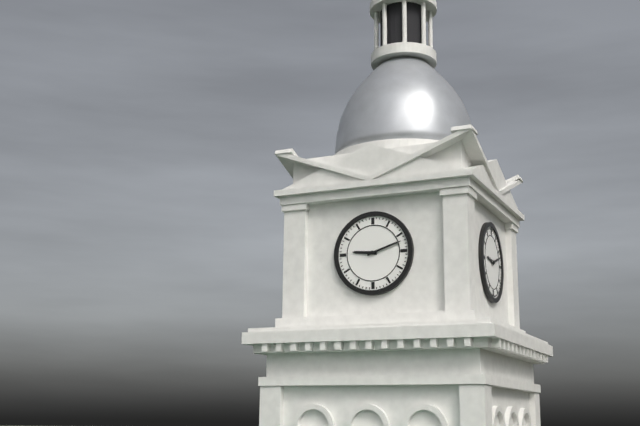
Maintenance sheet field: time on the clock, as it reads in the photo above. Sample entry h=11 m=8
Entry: h=9 m=12
